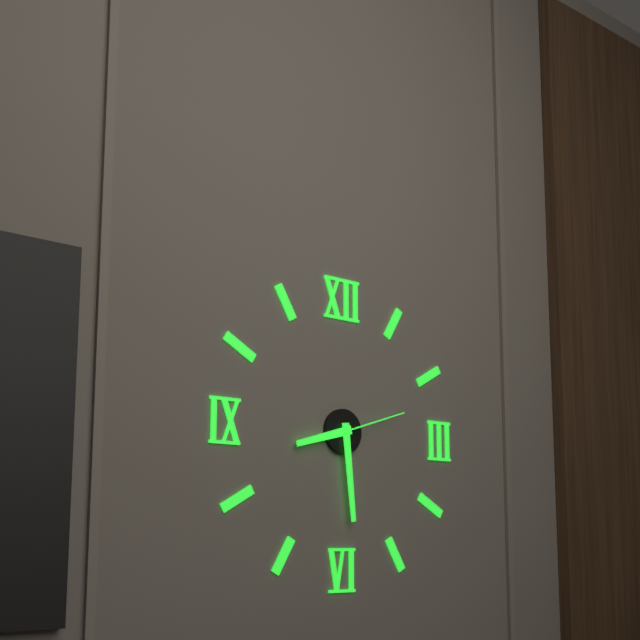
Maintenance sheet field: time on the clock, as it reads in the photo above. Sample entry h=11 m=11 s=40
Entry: h=8 m=29 s=12
